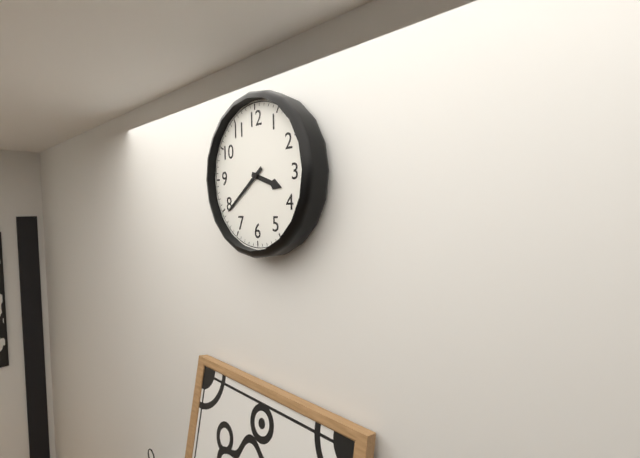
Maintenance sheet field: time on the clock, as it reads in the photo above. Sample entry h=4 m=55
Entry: h=3 m=39
